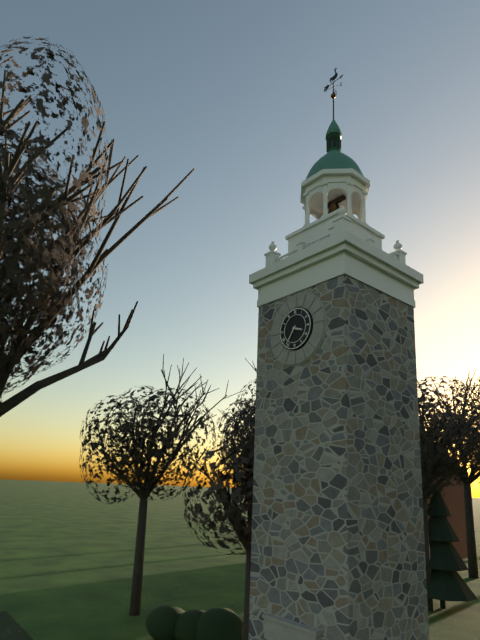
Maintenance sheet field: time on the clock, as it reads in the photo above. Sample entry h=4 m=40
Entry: h=3 m=36
